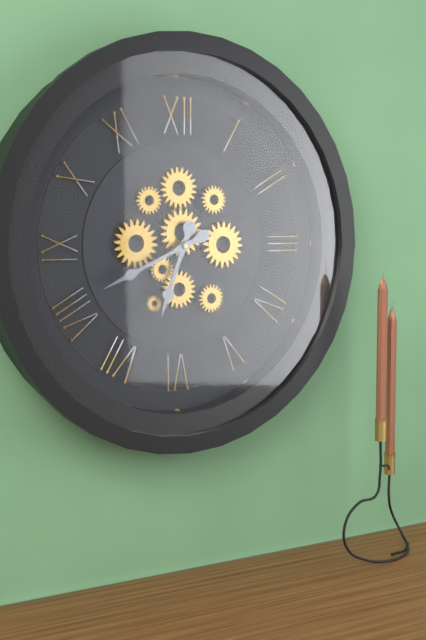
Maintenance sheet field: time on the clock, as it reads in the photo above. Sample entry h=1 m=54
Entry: h=6 m=41
